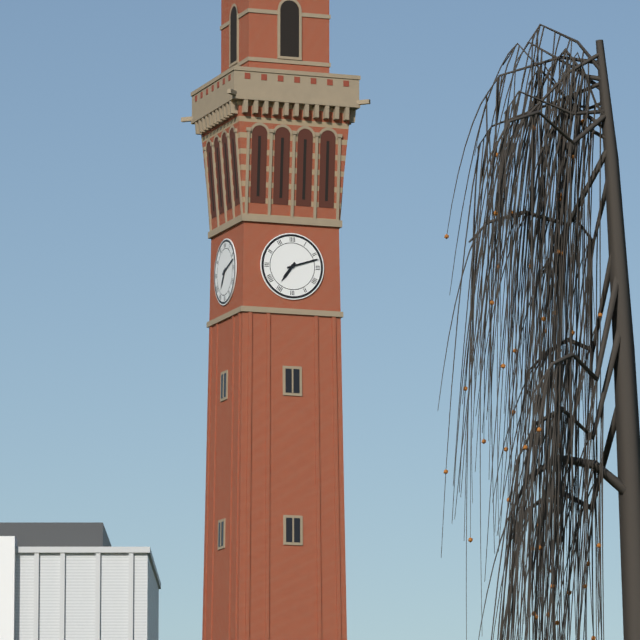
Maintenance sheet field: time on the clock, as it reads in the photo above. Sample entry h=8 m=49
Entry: h=7 m=12
